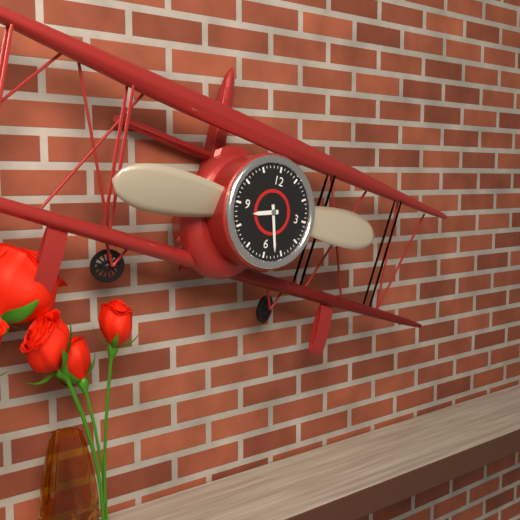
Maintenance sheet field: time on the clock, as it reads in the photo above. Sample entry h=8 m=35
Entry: h=8 m=27
